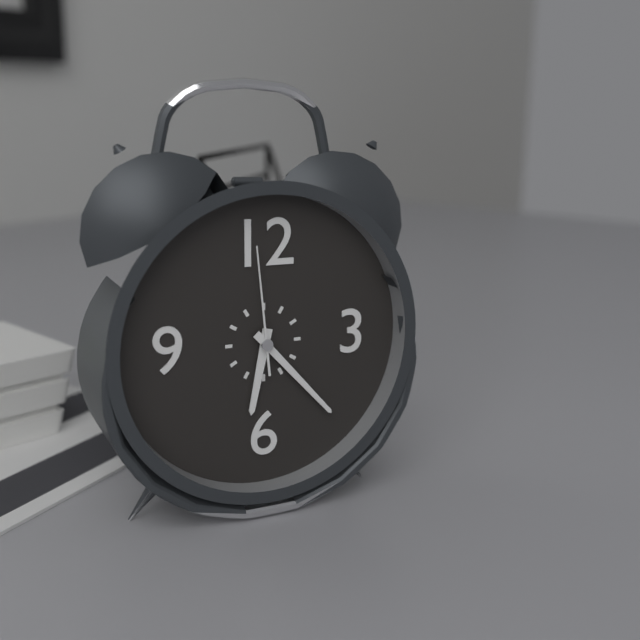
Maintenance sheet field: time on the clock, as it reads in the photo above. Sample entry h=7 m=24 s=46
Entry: h=6 m=23 s=59
